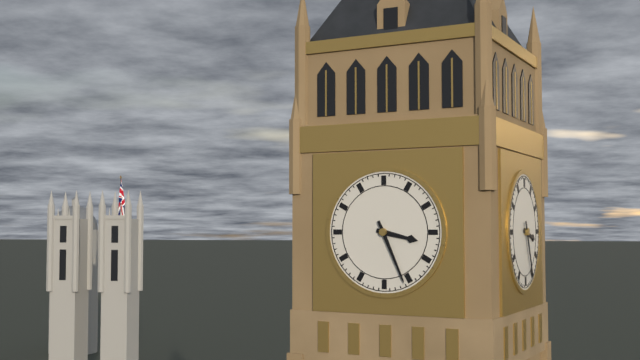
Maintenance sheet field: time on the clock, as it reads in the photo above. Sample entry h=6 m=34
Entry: h=3 m=26
